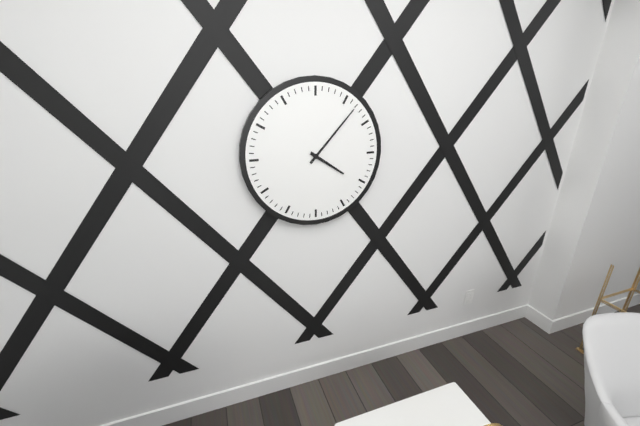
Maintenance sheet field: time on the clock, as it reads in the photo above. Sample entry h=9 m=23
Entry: h=4 m=7
